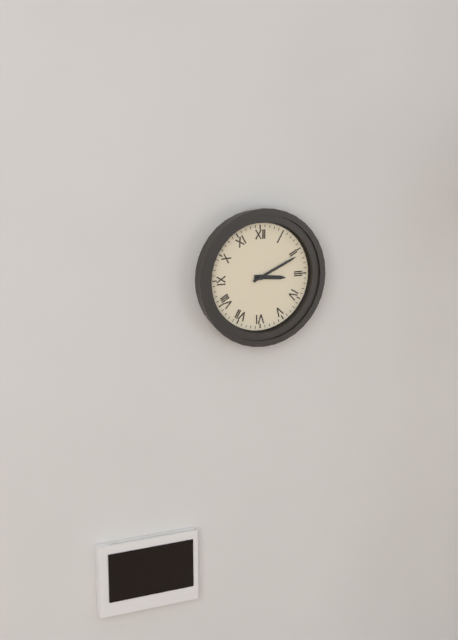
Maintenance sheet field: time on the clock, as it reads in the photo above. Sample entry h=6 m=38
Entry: h=3 m=11
